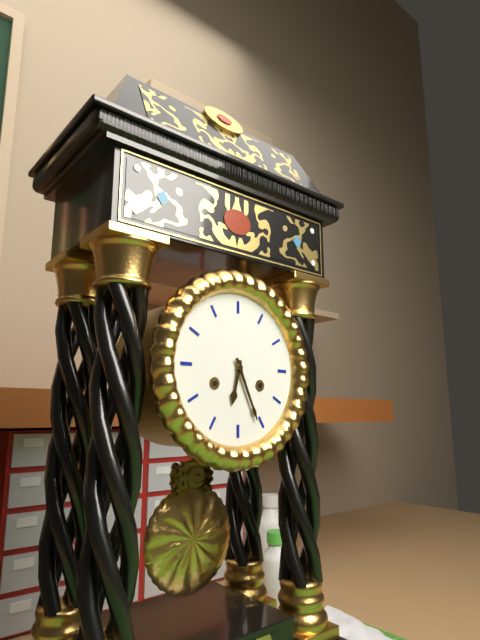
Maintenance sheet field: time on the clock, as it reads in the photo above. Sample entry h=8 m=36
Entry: h=6 m=26
